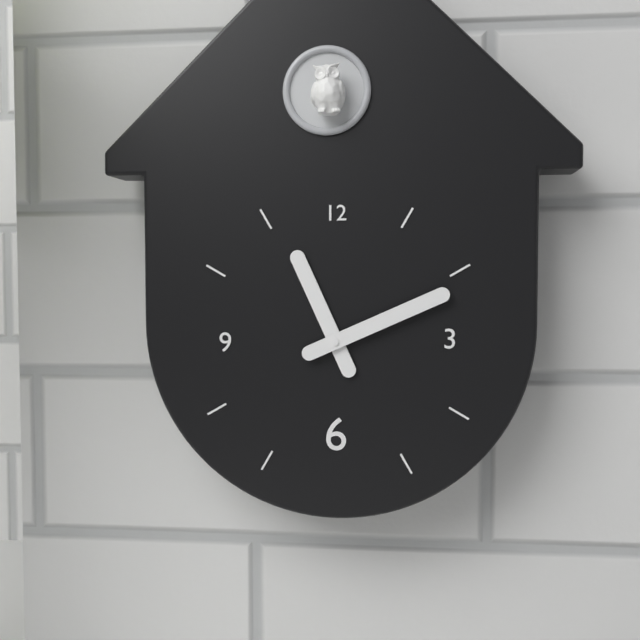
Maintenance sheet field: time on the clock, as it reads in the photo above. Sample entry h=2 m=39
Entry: h=11 m=11
